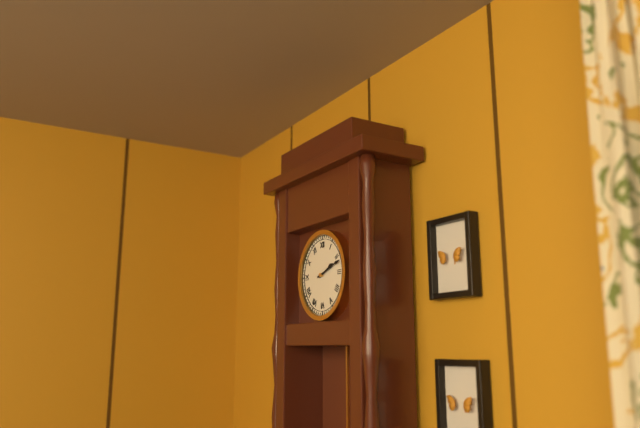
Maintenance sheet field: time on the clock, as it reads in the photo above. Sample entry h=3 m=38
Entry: h=2 m=12
